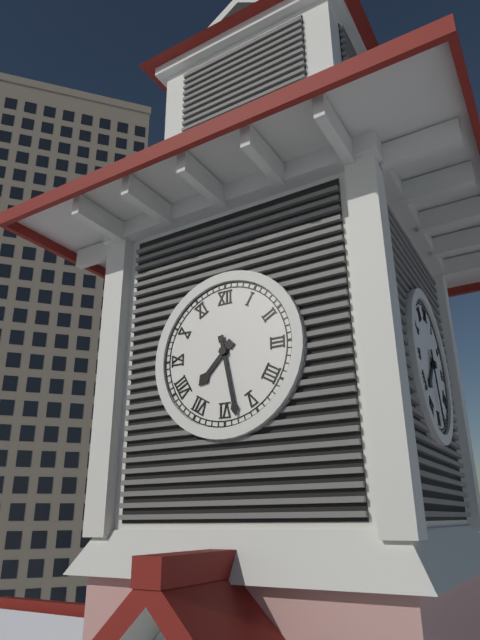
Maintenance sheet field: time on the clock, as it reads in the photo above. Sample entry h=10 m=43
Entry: h=7 m=28
